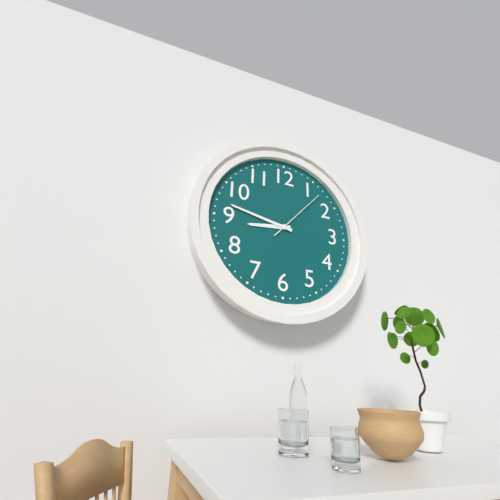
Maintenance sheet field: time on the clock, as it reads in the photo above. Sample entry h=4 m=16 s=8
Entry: h=8 m=47 s=7
